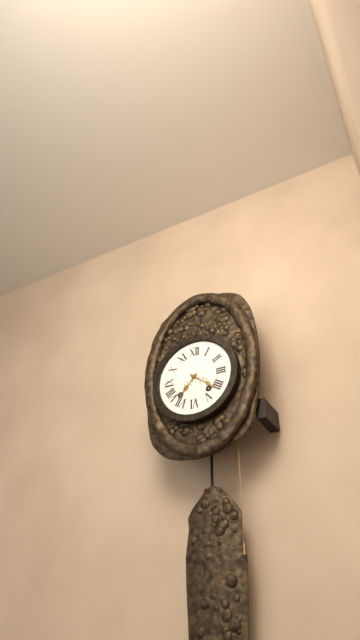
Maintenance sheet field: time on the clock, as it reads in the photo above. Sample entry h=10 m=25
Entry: h=7 m=21
